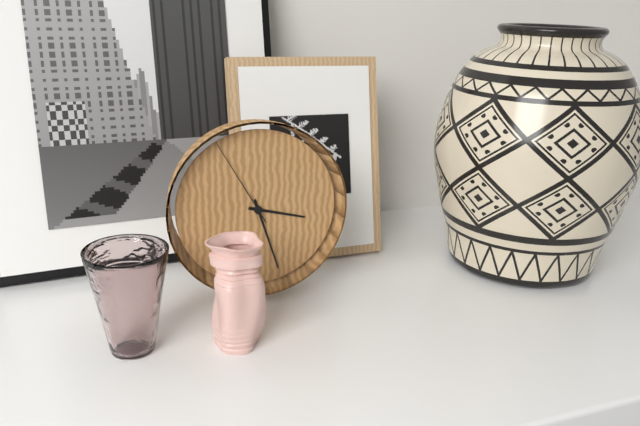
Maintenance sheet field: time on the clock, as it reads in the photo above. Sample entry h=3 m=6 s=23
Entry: h=3 m=27 s=55
